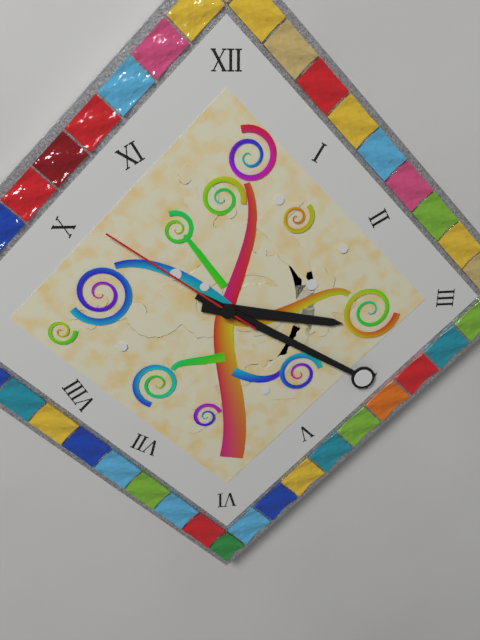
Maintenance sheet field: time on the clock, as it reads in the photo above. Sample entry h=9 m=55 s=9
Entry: h=3 m=20 s=51
